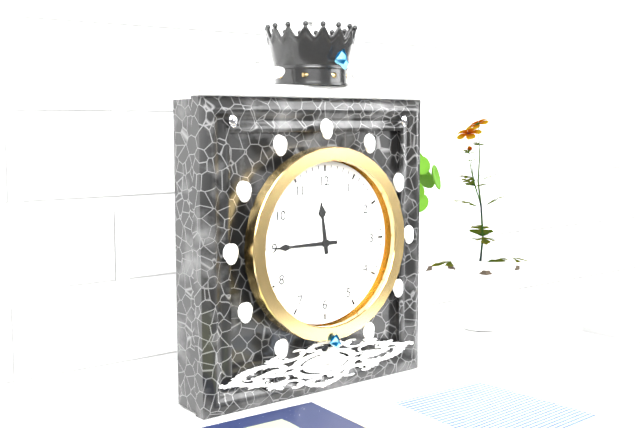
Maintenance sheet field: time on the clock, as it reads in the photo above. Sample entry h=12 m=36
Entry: h=11 m=45
